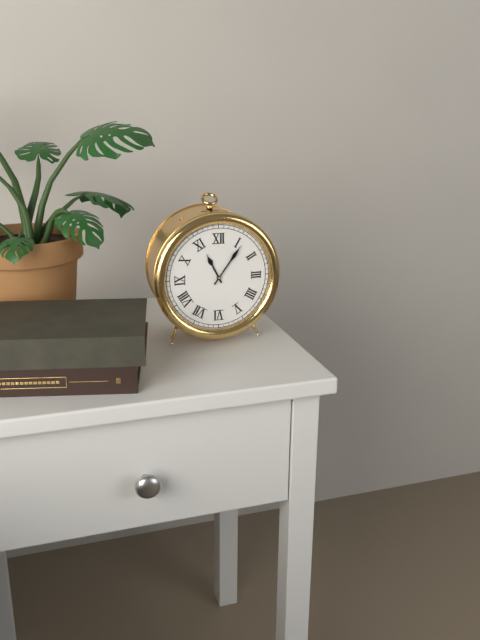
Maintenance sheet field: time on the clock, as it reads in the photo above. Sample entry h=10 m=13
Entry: h=11 m=6
